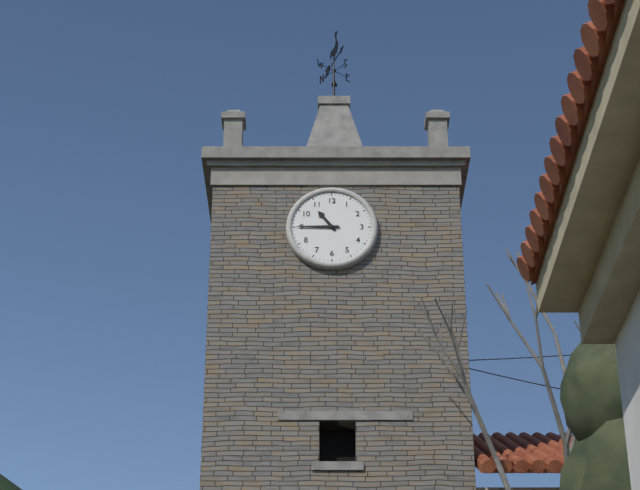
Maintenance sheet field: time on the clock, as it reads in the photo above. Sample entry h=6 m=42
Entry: h=10 m=45
